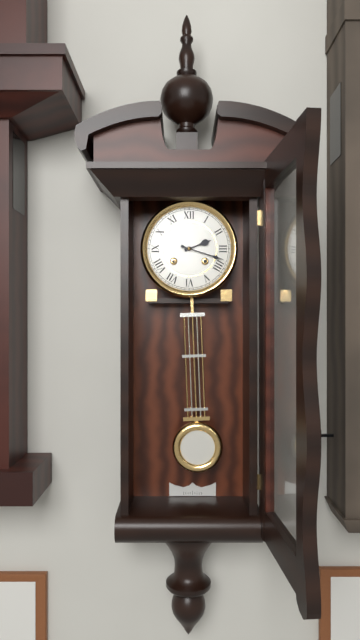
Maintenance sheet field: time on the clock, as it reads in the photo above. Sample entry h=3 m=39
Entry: h=2 m=18
